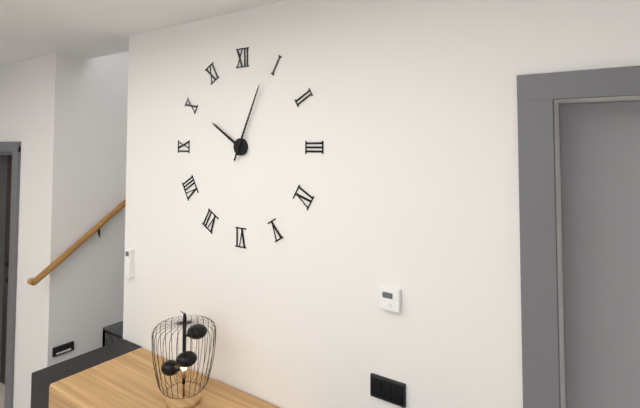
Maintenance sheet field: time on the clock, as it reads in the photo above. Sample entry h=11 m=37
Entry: h=10 m=4
